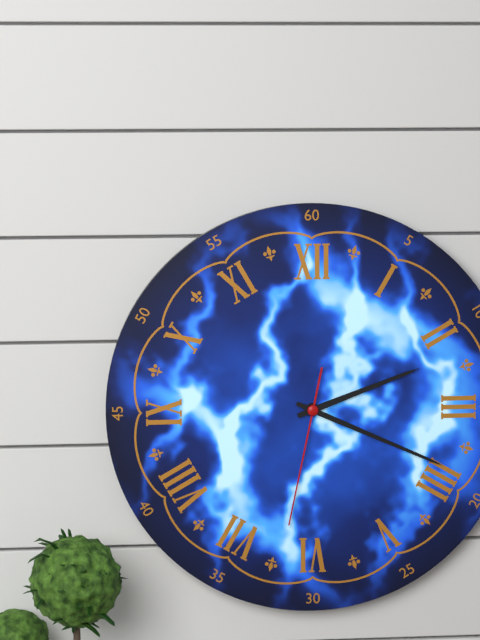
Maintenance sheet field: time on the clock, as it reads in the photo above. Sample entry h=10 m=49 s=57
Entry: h=2 m=19 s=32
